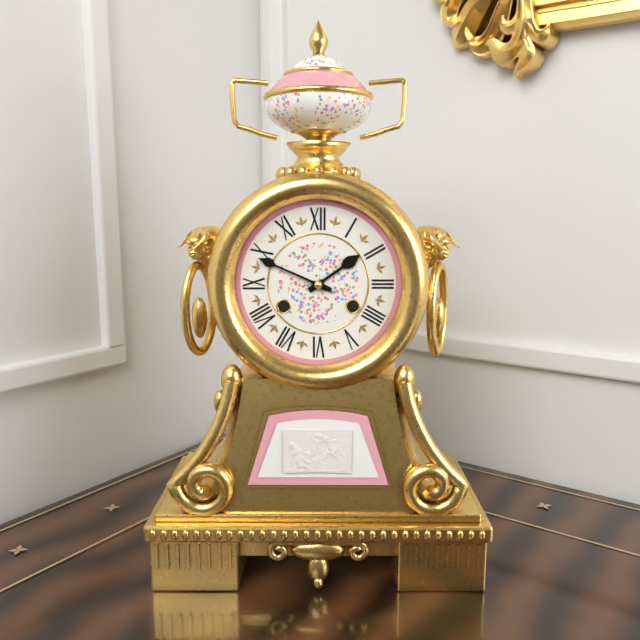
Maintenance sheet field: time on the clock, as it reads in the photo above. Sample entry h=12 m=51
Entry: h=1 m=49
